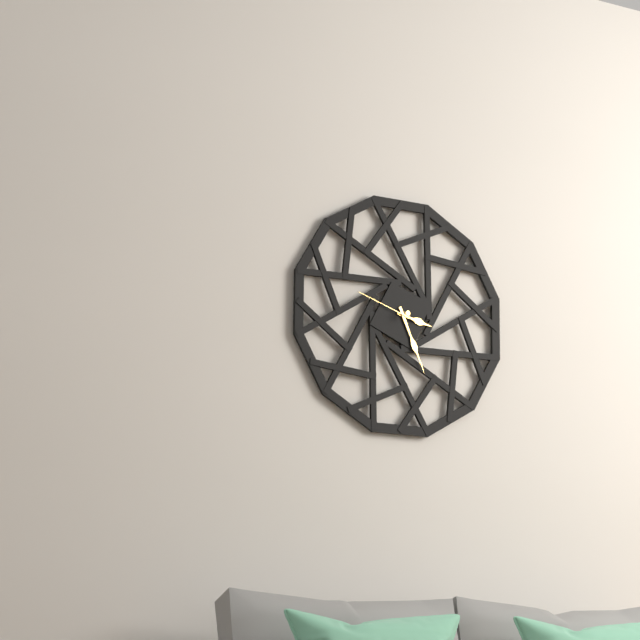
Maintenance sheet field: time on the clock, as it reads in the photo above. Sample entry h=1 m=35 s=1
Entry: h=3 m=26 s=48
